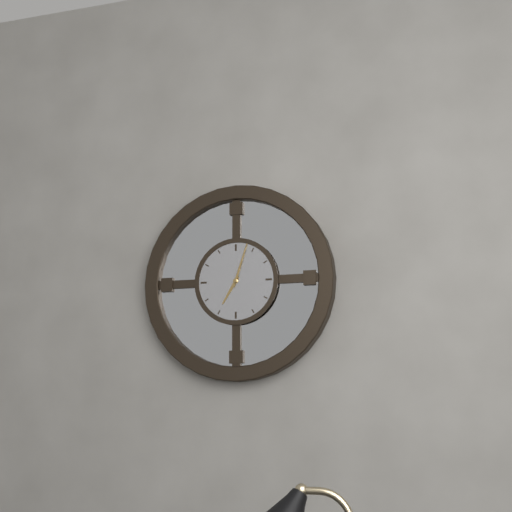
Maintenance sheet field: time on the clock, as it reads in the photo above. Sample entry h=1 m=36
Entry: h=7 m=3
